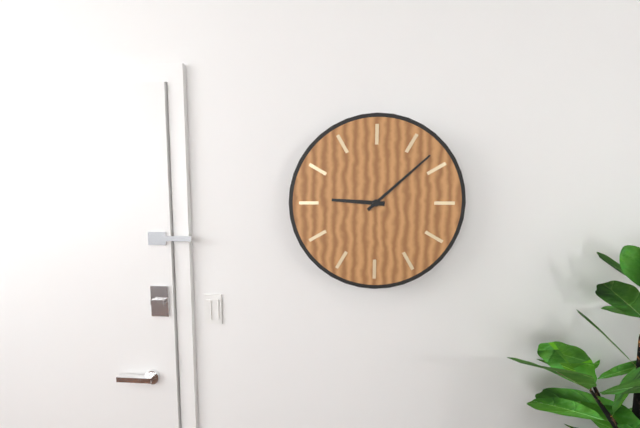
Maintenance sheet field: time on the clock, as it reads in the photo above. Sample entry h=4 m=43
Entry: h=9 m=8
